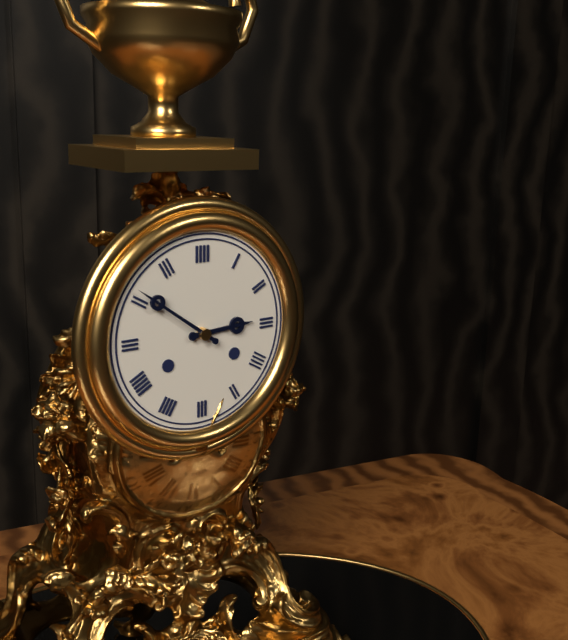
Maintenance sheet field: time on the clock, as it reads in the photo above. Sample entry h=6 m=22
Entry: h=2 m=51
